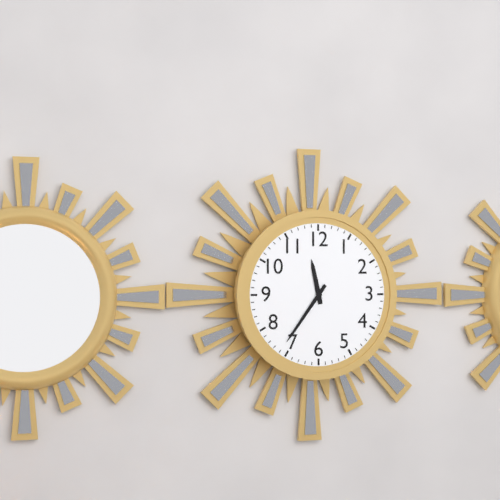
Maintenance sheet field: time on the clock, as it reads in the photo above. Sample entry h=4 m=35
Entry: h=11 m=36
